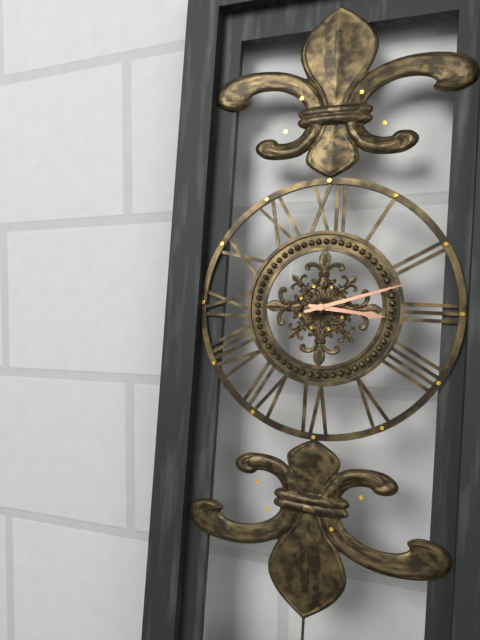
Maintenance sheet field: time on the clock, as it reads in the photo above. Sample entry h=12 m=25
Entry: h=3 m=12
